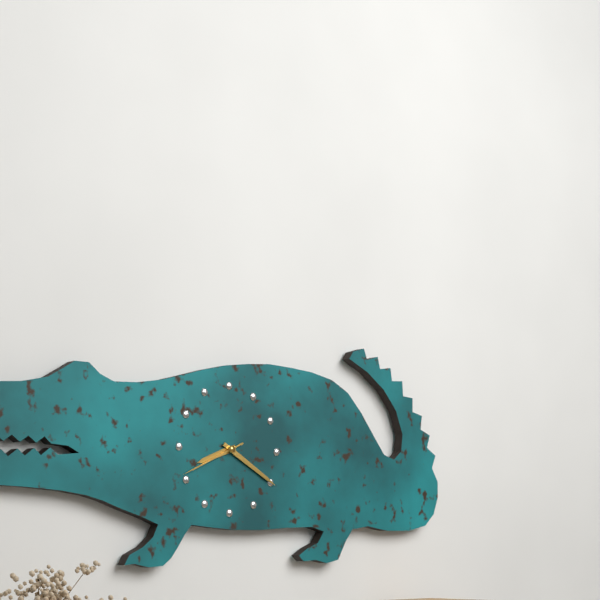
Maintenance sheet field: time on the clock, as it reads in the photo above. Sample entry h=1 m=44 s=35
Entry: h=8 m=20 s=41
